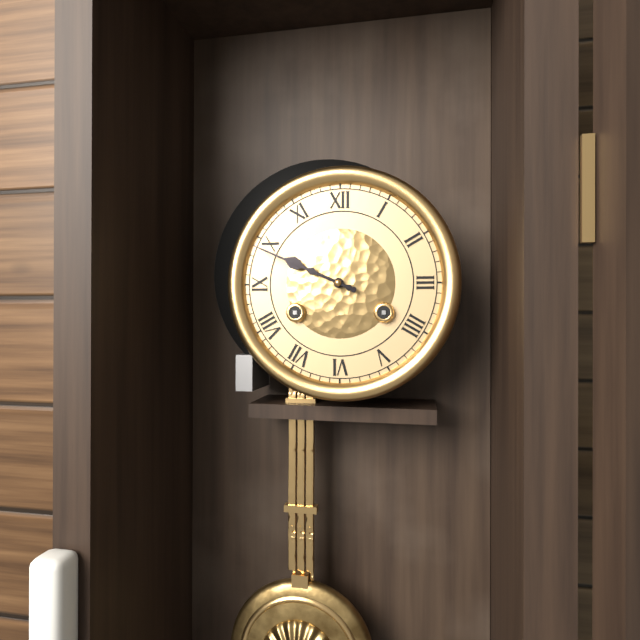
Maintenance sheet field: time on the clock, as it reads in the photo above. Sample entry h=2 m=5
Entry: h=9 m=49
